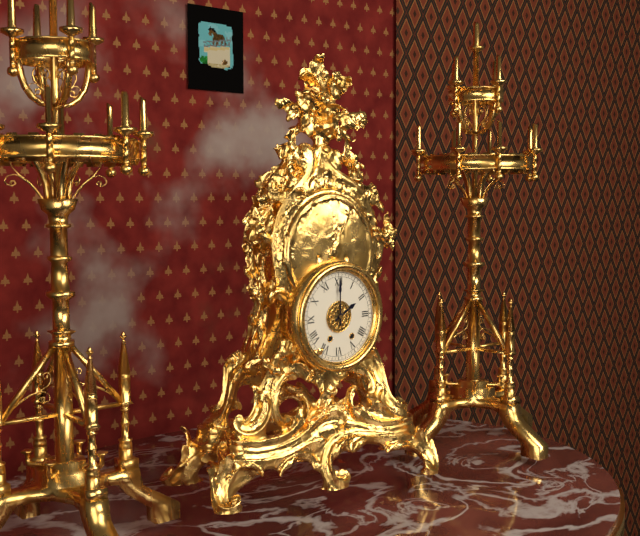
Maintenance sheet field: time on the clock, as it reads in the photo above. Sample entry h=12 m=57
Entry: h=2 m=0
